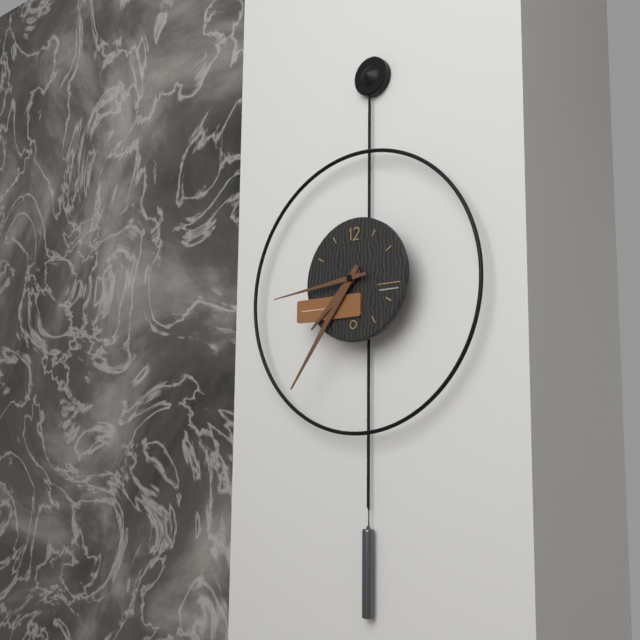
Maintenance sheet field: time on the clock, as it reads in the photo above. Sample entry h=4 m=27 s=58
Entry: h=7 m=36 s=44
